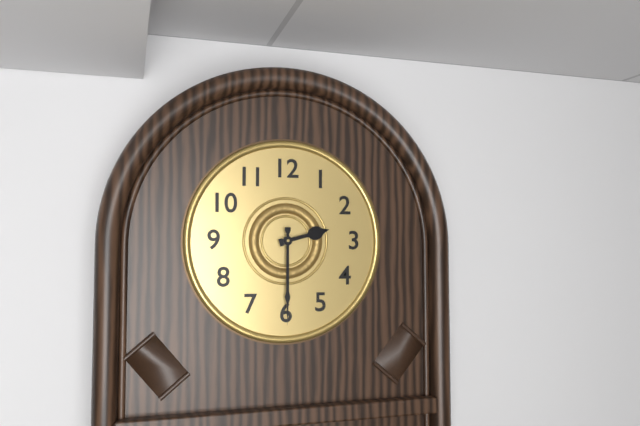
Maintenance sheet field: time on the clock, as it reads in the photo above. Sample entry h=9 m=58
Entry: h=2 m=30
